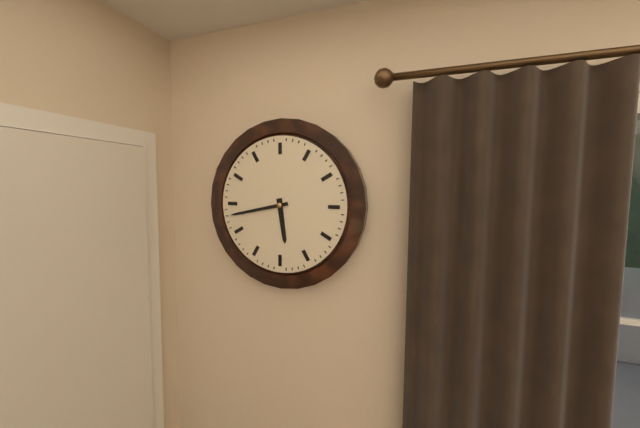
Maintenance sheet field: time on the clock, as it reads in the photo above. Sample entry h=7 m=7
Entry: h=5 m=43
